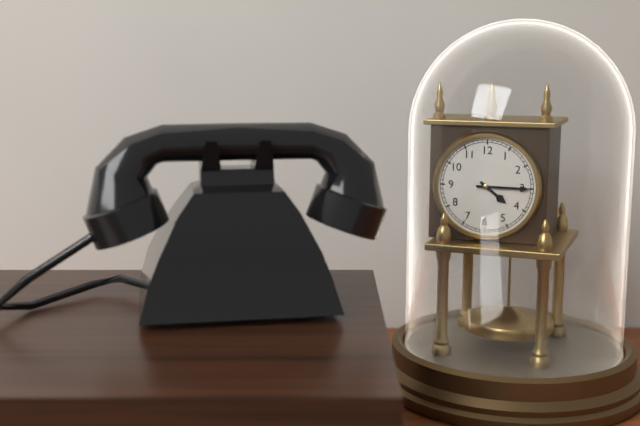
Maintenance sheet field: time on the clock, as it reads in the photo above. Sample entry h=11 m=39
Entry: h=4 m=15
